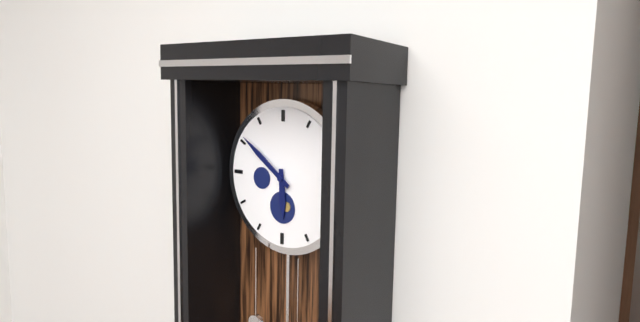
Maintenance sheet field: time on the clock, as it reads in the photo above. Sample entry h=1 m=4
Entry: h=5 m=51
